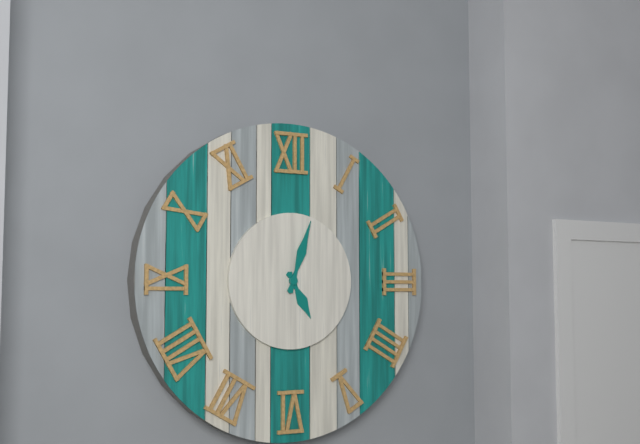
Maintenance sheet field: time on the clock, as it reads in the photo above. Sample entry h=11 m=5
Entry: h=5 m=3
